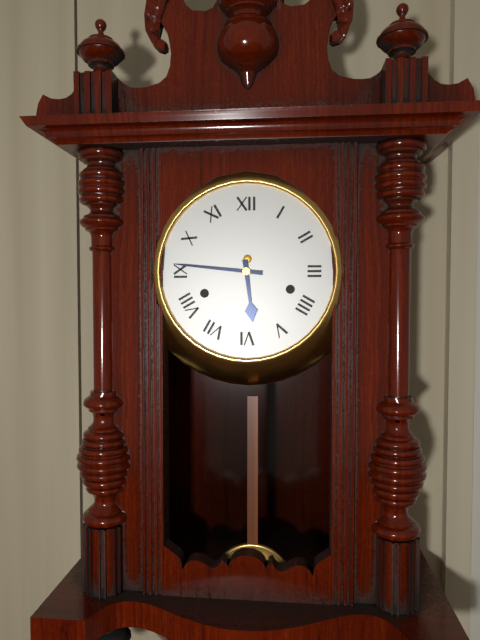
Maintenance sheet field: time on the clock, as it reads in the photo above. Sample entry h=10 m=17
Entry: h=5 m=46
